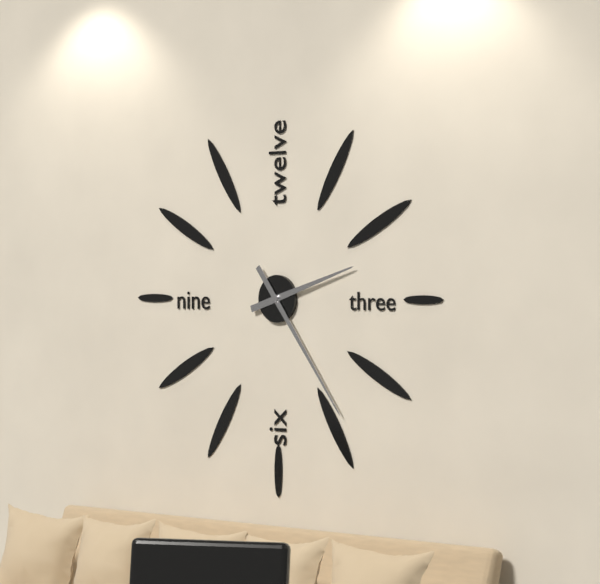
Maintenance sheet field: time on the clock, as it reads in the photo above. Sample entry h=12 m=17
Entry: h=2 m=24
